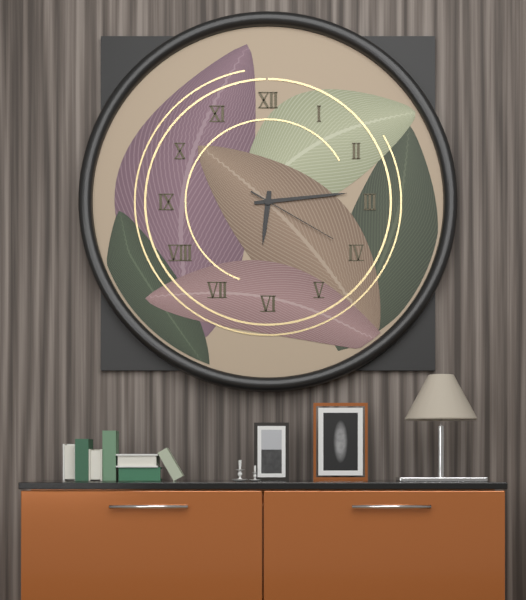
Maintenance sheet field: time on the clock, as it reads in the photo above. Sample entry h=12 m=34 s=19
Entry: h=6 m=14 s=20
